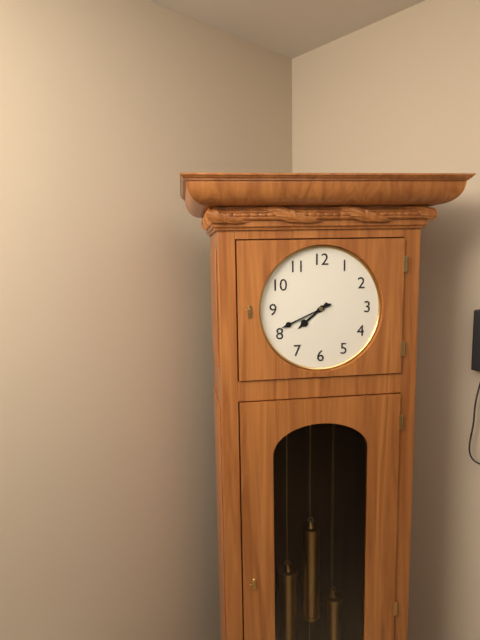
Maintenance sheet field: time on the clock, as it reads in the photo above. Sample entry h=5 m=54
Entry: h=7 m=41
